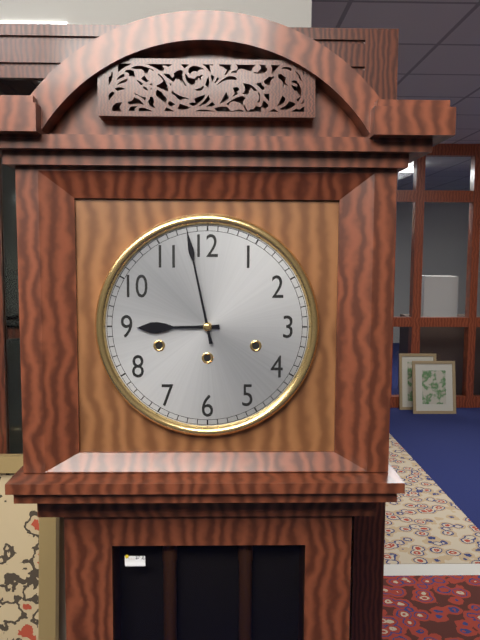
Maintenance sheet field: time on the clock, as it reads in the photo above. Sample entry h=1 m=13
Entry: h=8 m=58
